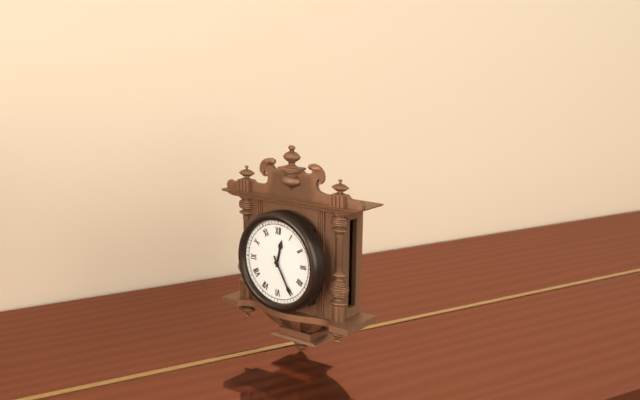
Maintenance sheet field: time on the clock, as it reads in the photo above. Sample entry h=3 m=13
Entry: h=12 m=25
